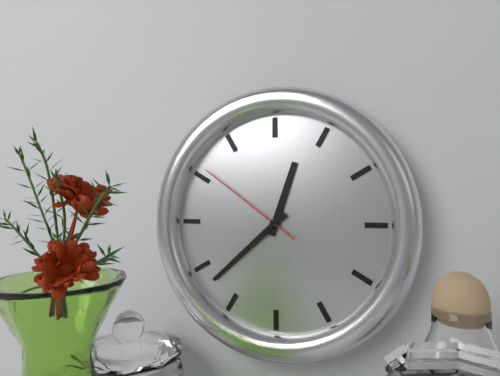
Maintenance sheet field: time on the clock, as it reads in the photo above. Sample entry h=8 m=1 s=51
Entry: h=12 m=38 s=51
